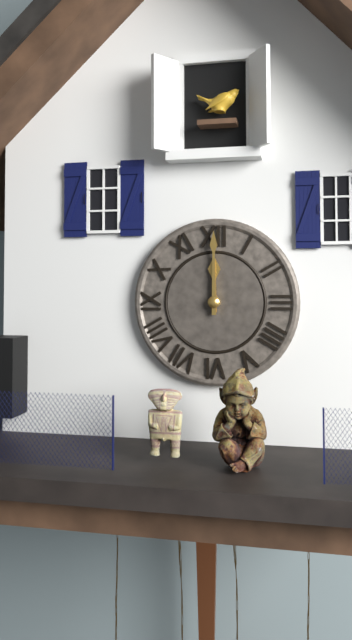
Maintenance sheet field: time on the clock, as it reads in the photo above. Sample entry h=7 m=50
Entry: h=12 m=0
